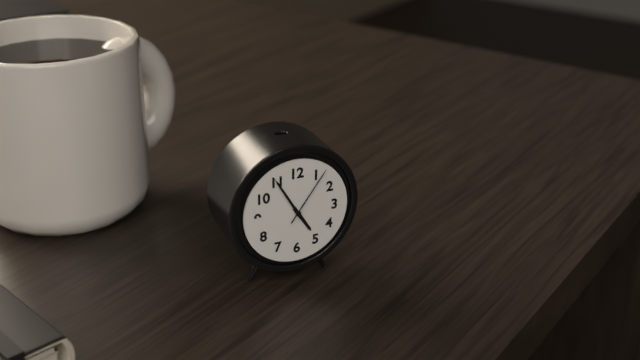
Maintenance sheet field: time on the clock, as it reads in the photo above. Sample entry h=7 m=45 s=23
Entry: h=4 m=55 s=6
